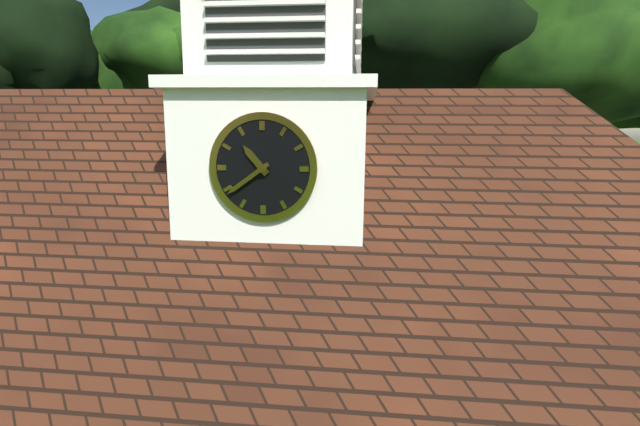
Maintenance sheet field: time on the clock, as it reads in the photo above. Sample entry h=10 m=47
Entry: h=10 m=39
